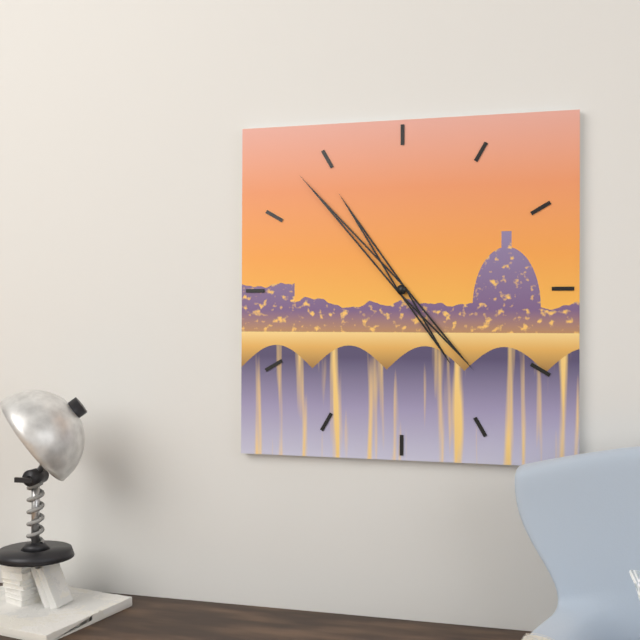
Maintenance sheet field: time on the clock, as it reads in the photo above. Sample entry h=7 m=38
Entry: h=10 m=53
